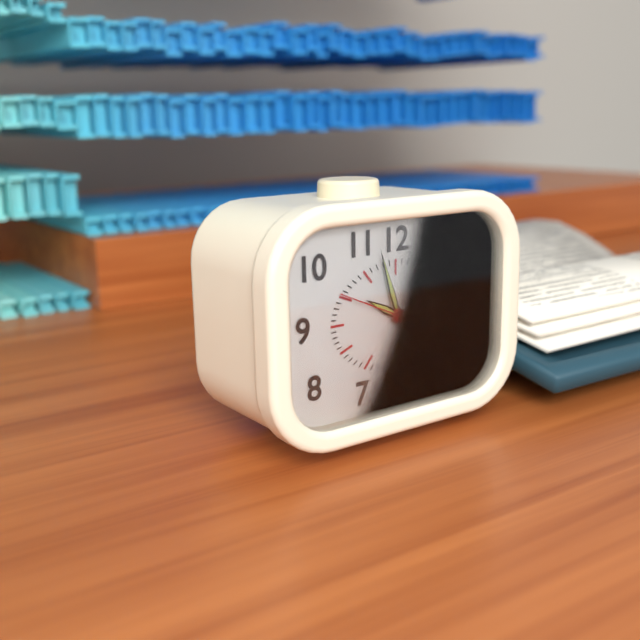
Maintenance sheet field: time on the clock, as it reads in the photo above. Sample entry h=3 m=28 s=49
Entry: h=9 m=57 s=49
